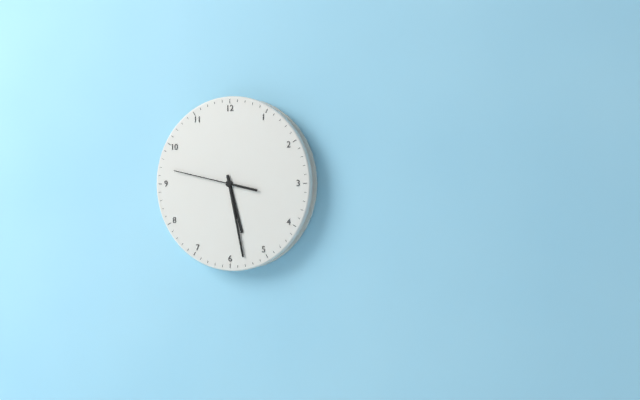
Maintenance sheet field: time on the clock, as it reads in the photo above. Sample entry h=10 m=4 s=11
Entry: h=5 m=28 s=47
